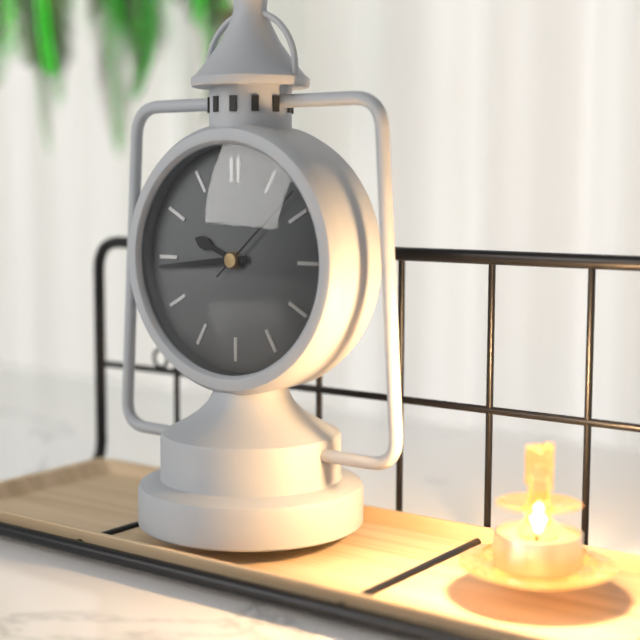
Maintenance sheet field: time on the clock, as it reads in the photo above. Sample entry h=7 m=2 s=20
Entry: h=9 m=44 s=8
